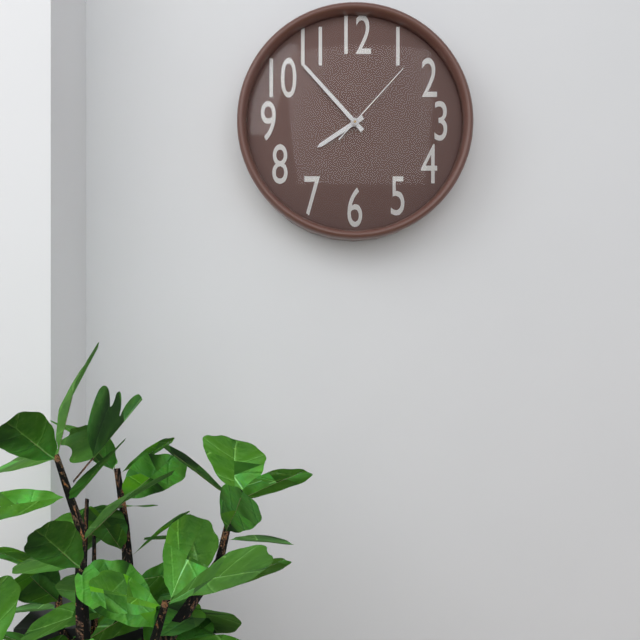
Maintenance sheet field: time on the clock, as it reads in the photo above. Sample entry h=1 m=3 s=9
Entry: h=7 m=53 s=7
